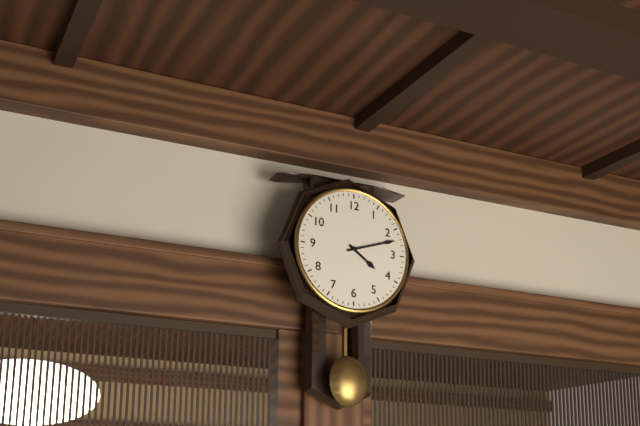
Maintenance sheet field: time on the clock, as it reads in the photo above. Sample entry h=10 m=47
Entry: h=4 m=12
